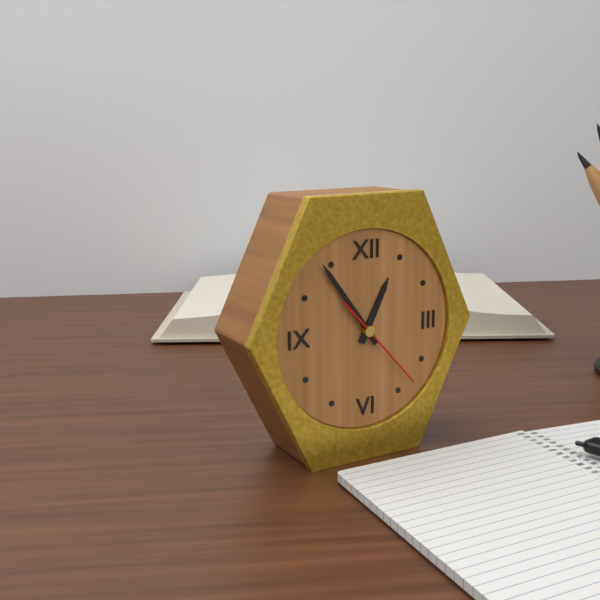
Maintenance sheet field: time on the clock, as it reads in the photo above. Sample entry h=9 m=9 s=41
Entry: h=12 m=54 s=23
